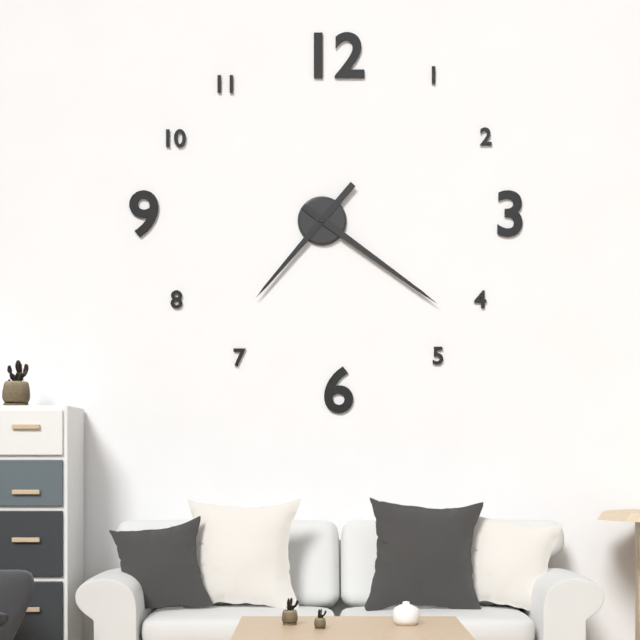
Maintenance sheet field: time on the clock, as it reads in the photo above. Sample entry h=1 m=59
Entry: h=7 m=21
